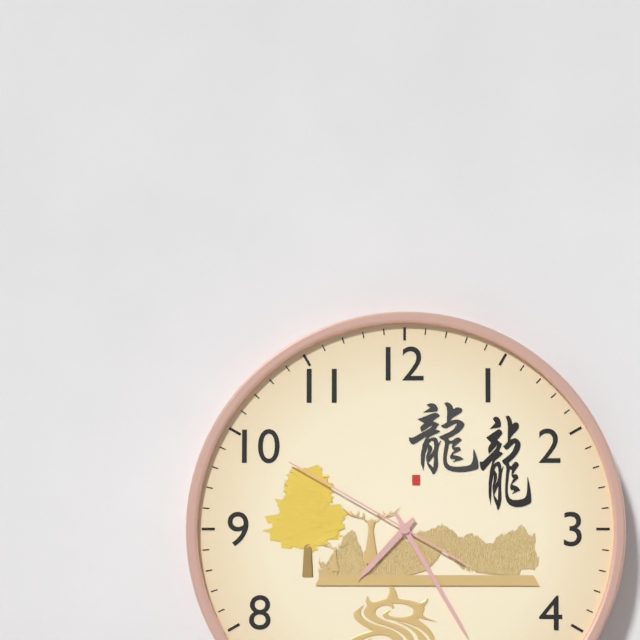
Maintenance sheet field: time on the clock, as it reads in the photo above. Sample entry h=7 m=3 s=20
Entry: h=7 m=25 s=50
